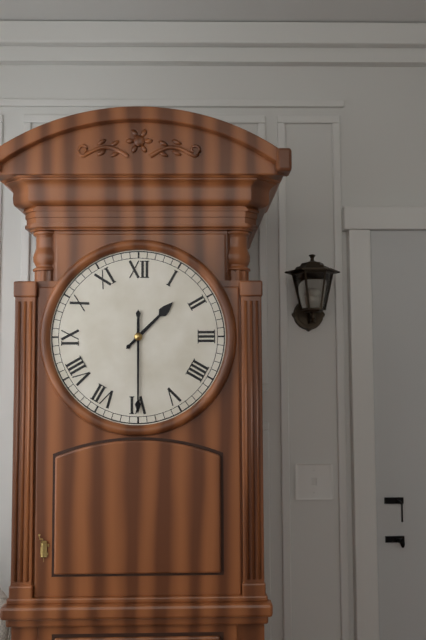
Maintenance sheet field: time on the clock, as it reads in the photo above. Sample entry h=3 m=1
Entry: h=1 m=30
